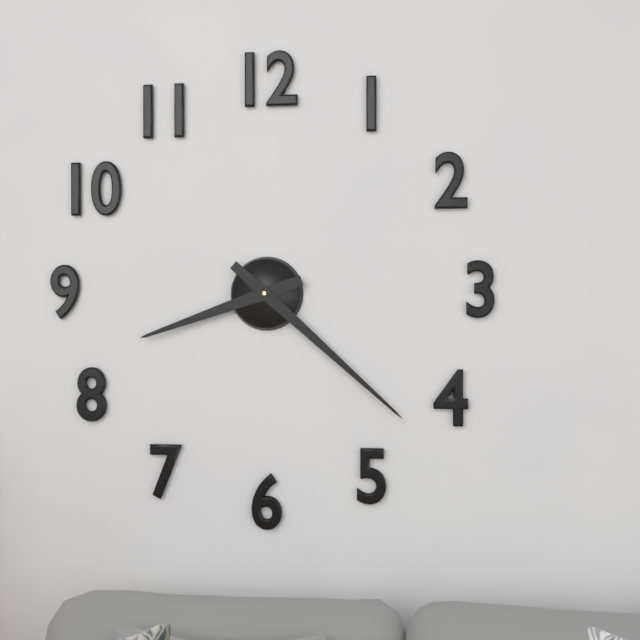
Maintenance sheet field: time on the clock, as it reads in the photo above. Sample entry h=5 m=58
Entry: h=8 m=22
